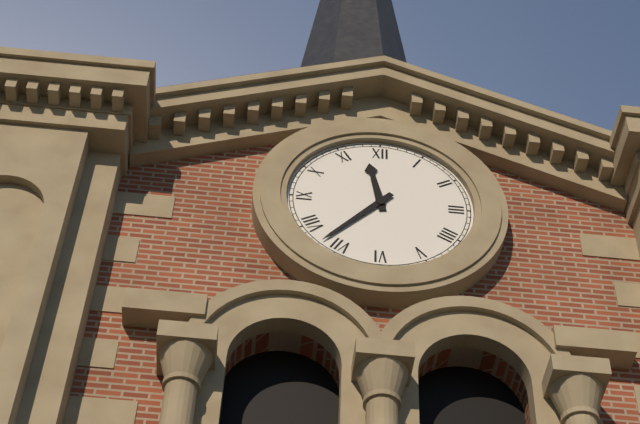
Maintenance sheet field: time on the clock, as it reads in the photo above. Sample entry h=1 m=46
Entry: h=11 m=37
